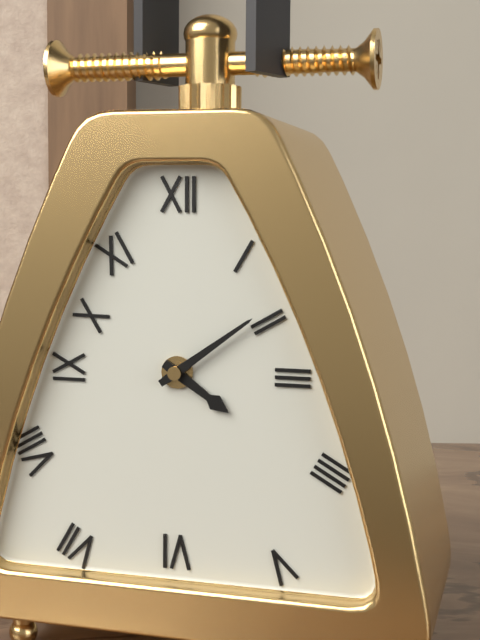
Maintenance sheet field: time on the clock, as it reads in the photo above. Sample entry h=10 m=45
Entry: h=4 m=9
